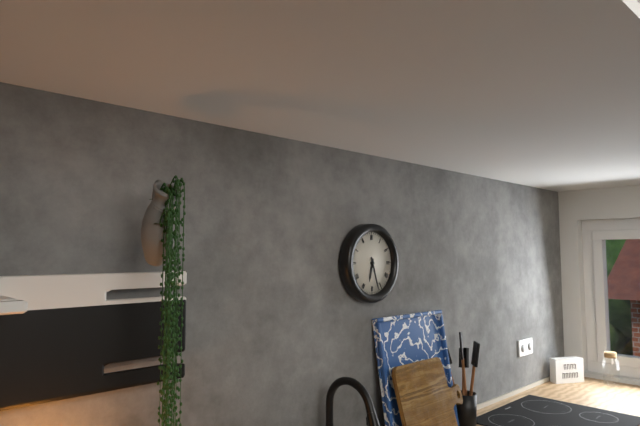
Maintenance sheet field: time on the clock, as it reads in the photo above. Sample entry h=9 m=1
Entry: h=6 m=27
